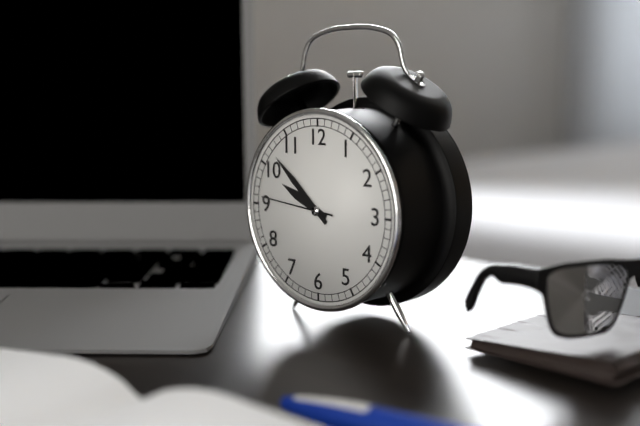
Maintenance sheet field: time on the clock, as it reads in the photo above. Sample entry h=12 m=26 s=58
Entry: h=9 m=52 s=46
